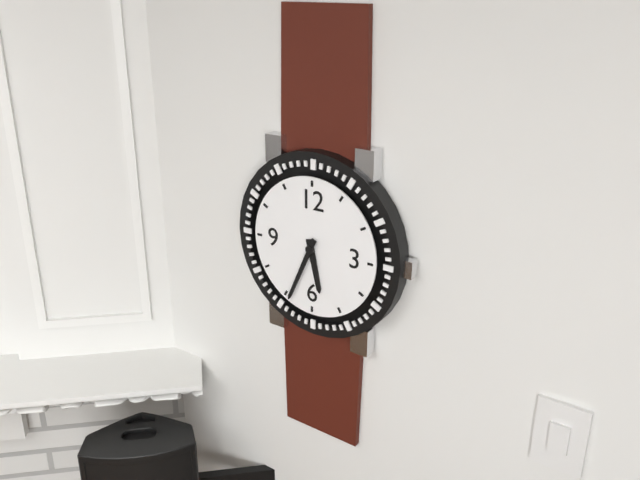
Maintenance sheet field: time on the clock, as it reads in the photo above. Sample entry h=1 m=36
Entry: h=5 m=34
